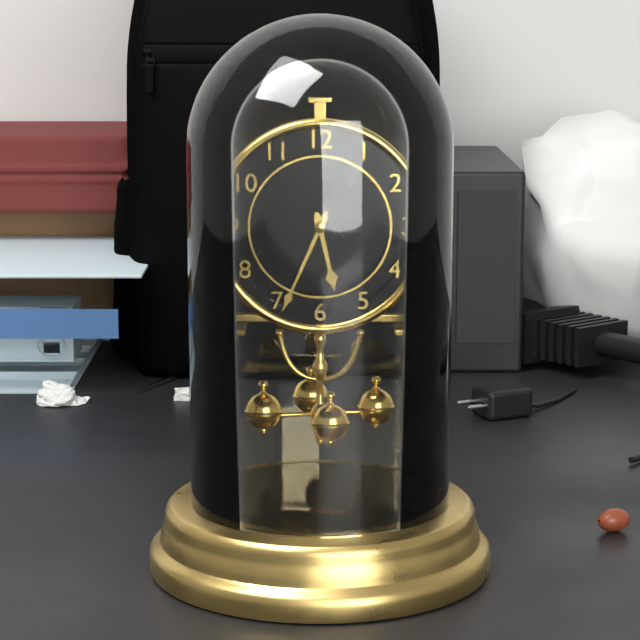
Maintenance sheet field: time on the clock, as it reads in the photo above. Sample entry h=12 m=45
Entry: h=5 m=34
